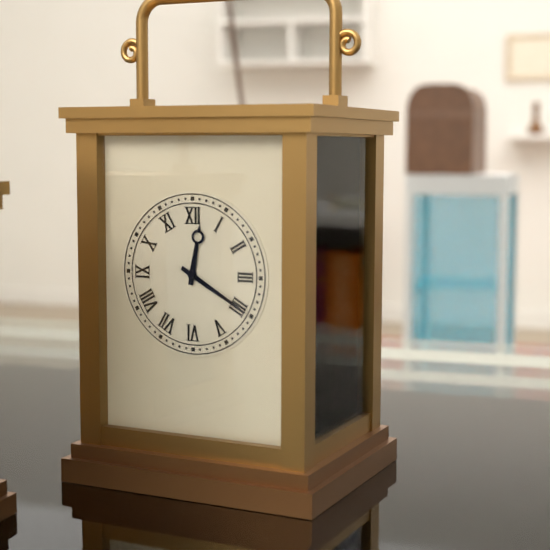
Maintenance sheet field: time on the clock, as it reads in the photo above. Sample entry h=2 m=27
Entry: h=12 m=20
